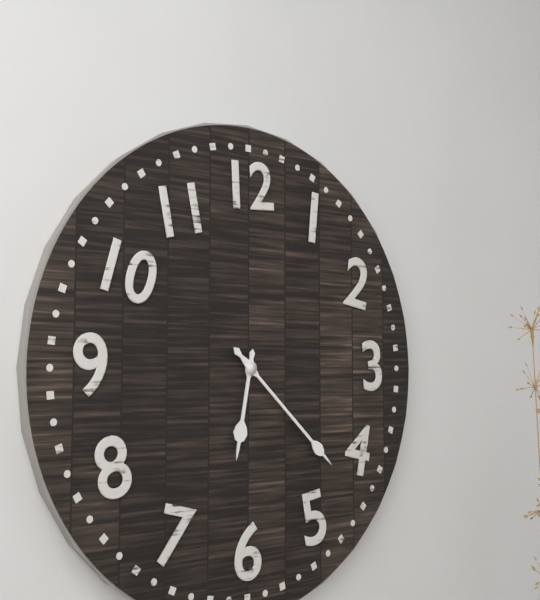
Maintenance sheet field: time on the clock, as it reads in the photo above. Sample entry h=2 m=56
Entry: h=6 m=22
